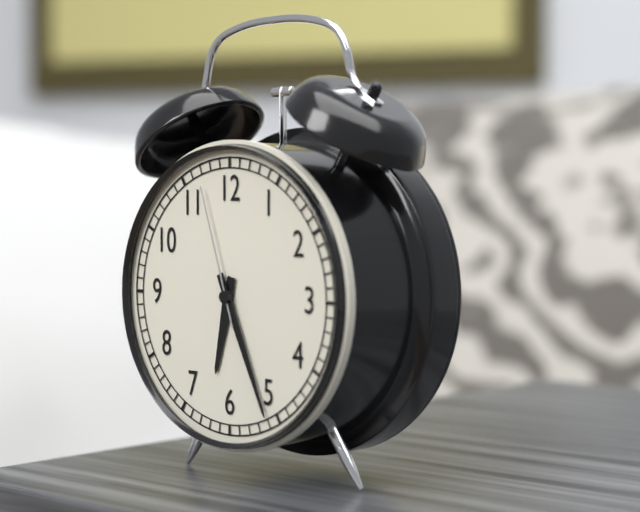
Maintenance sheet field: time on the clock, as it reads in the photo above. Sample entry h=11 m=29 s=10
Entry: h=6 m=26 s=57
